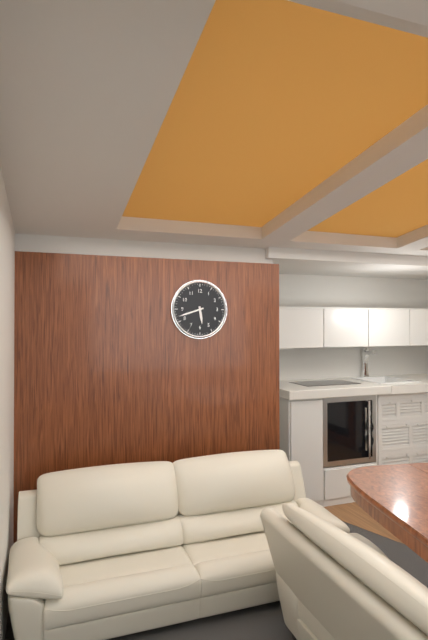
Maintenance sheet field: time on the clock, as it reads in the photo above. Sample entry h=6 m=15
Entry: h=5 m=42
